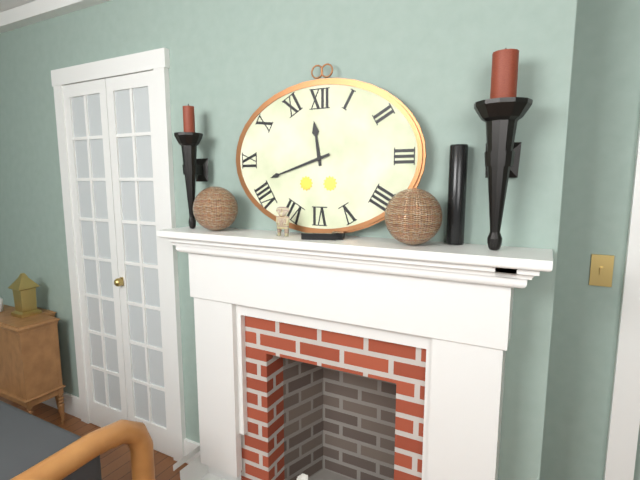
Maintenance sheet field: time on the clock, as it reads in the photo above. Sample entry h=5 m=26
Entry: h=11 m=42
